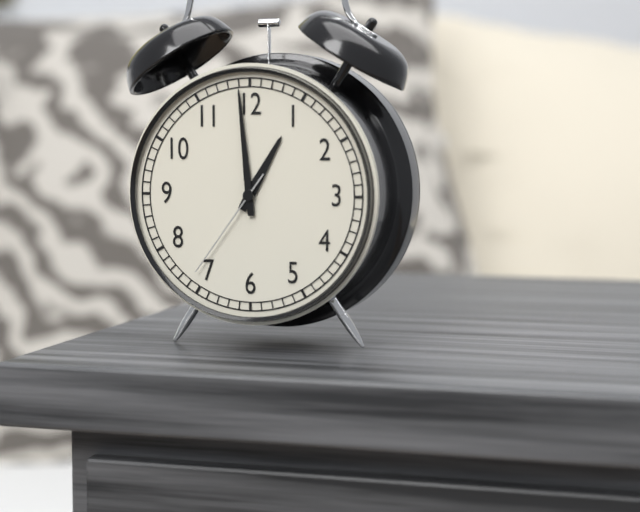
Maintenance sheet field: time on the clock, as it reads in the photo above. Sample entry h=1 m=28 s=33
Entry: h=12 m=59 s=36
